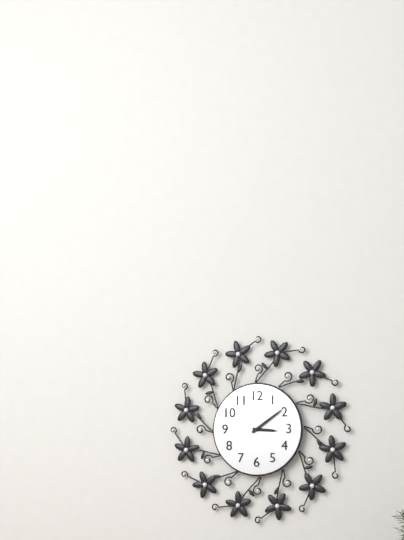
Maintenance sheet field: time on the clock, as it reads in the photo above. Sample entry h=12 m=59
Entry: h=3 m=9
